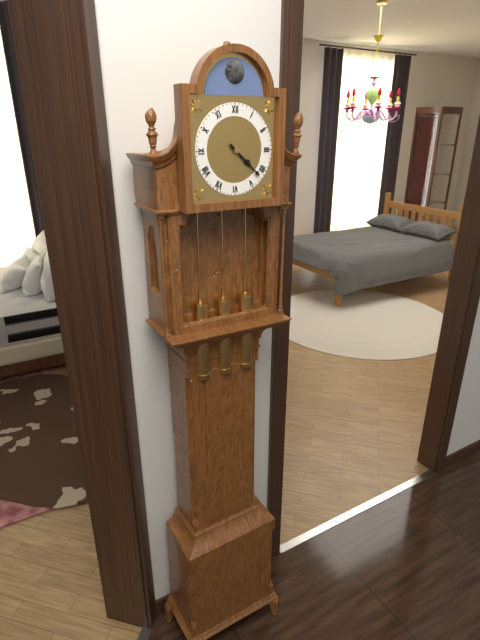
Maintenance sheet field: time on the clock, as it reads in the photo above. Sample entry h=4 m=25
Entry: h=4 m=22
